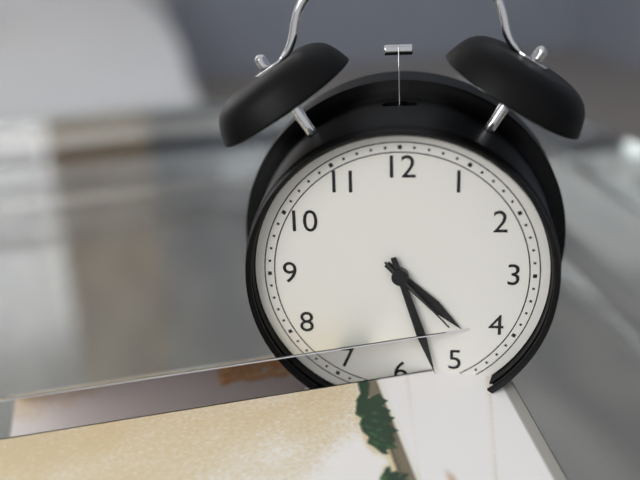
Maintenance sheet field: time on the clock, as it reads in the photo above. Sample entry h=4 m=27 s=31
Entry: h=4 m=27 s=23
